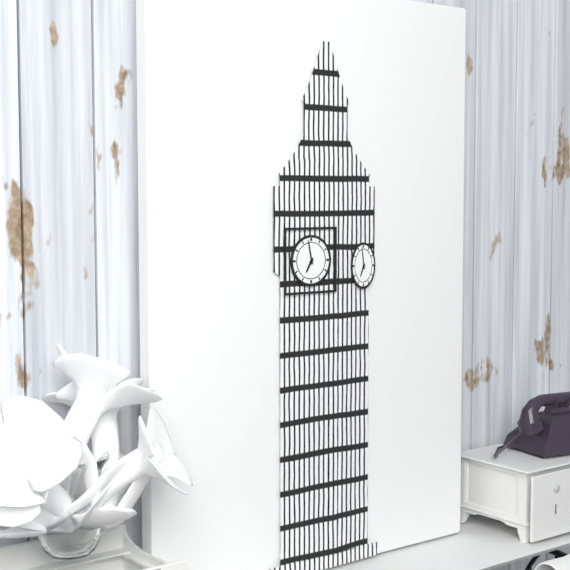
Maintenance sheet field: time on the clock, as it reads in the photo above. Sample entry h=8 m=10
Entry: h=6 m=58
